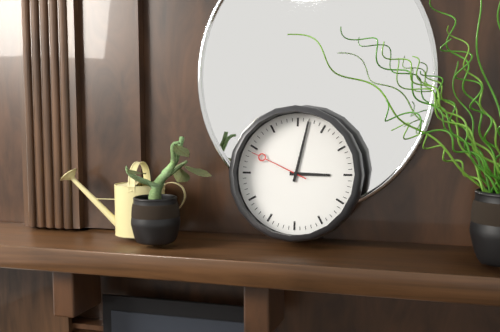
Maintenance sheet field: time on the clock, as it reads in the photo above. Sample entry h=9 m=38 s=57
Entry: h=3 m=2 s=49
